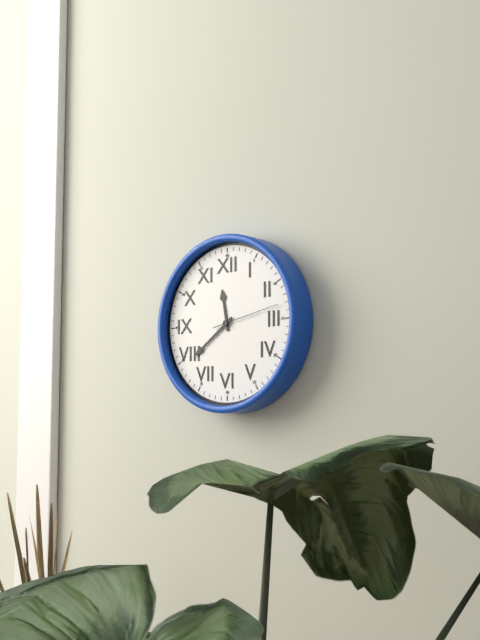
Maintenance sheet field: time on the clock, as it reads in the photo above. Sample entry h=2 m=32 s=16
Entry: h=11 m=39 s=13
